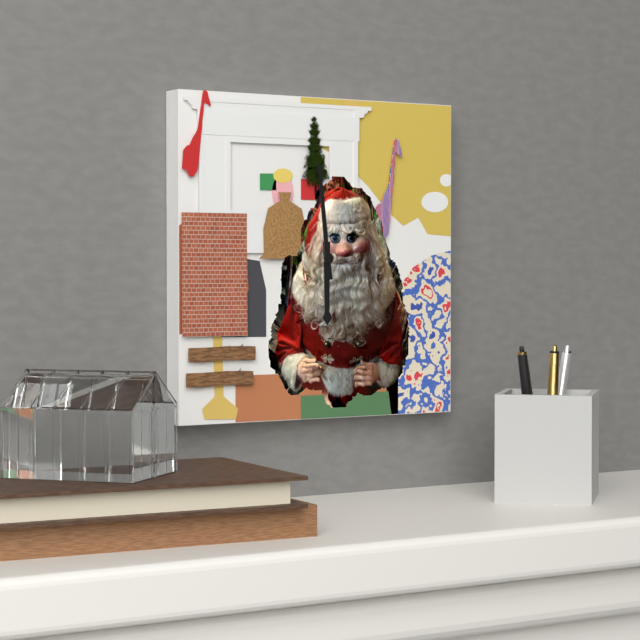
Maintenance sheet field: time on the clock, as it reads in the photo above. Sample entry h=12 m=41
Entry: h=5 m=59
